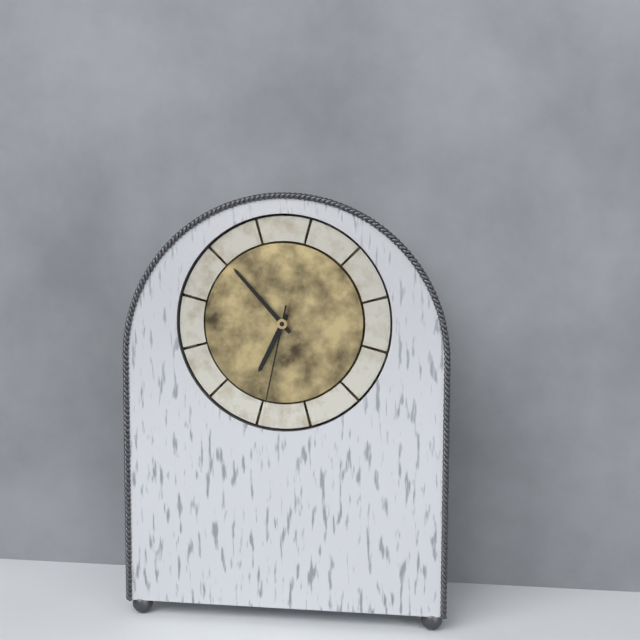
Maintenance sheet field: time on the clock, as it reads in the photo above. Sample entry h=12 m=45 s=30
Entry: h=6 m=53 s=32
